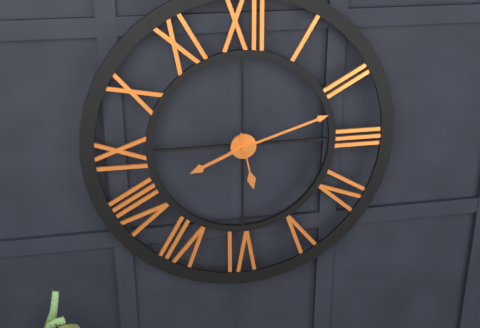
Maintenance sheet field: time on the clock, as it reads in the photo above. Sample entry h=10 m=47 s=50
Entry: h=8 m=12 s=28
